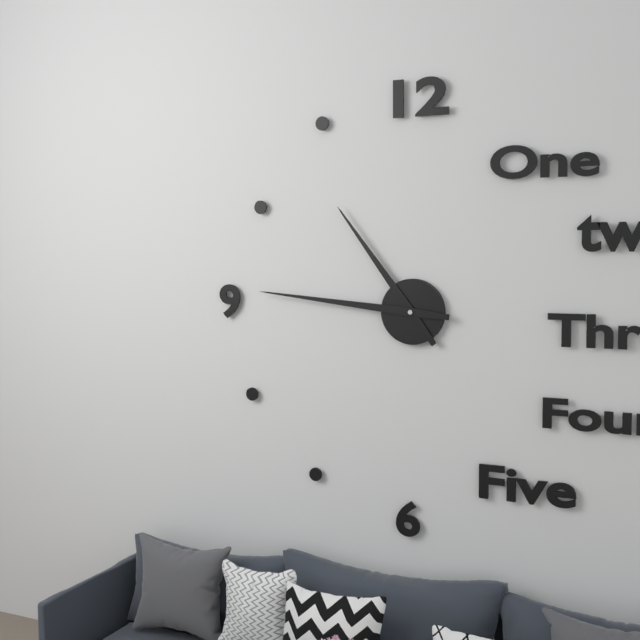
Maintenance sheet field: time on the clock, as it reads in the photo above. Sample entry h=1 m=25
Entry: h=10 m=46
